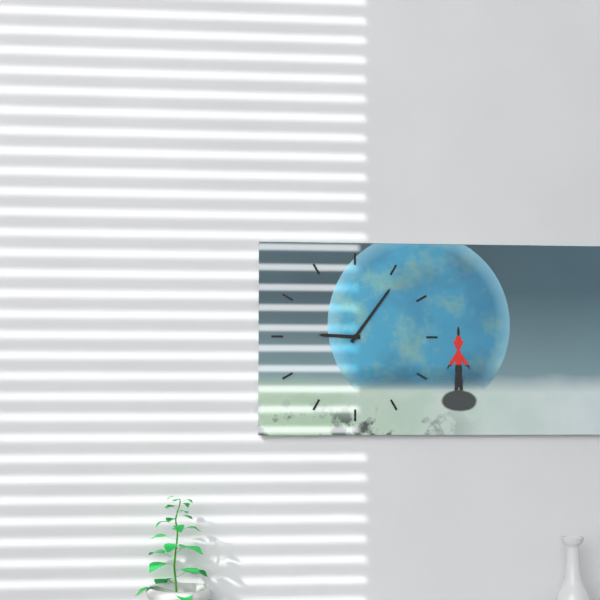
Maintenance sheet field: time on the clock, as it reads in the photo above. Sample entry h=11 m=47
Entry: h=9 m=6
